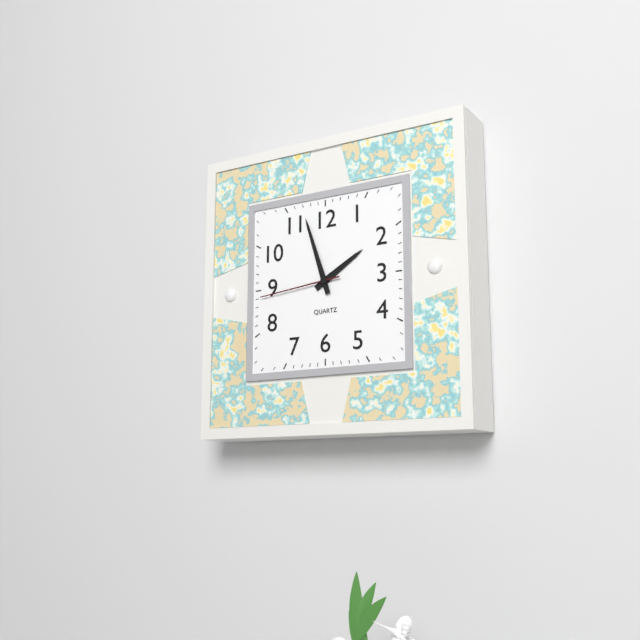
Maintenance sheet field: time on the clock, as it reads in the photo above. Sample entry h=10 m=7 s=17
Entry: h=1 m=57 s=44
